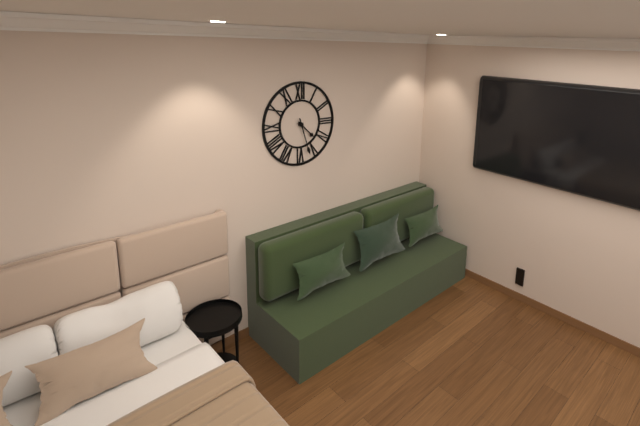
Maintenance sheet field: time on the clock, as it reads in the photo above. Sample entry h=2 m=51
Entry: h=4 m=27
